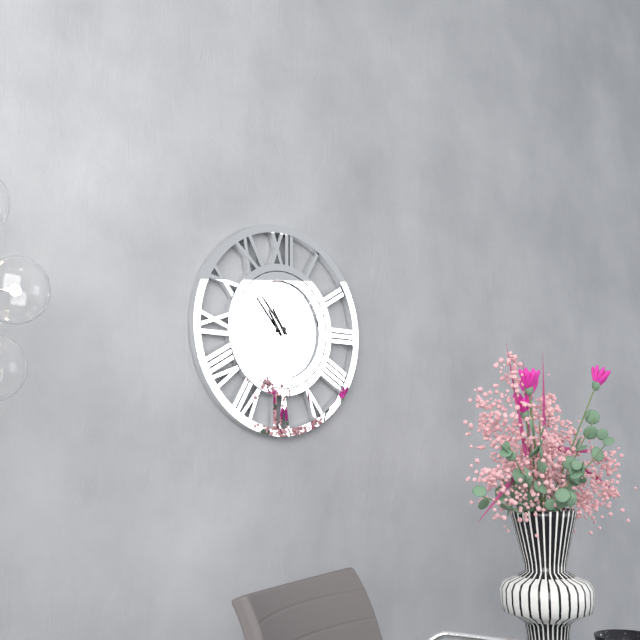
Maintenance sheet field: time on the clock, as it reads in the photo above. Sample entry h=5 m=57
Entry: h=10 m=53
